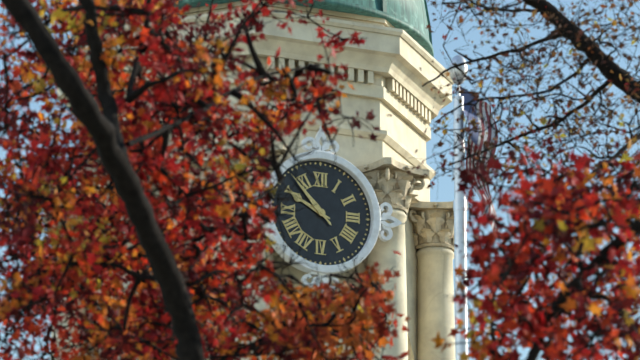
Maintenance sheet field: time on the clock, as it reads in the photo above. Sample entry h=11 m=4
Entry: h=9 m=53
